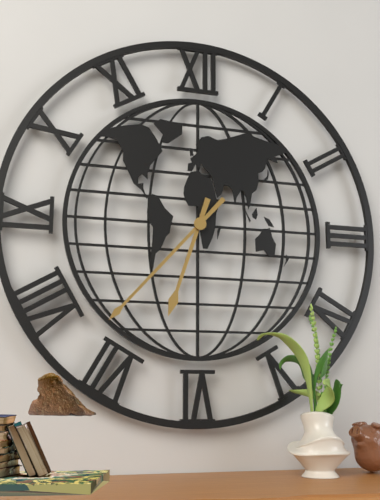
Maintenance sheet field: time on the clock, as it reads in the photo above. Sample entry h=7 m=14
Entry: h=6 m=37
